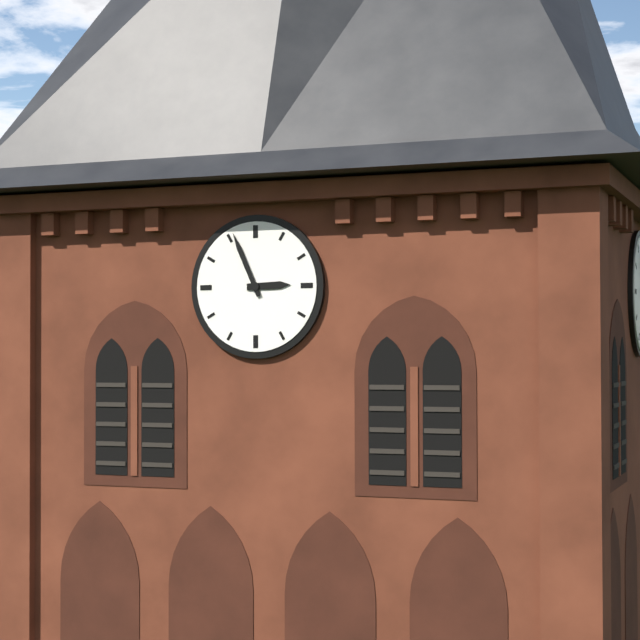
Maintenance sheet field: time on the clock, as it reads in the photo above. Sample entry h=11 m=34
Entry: h=2 m=56
